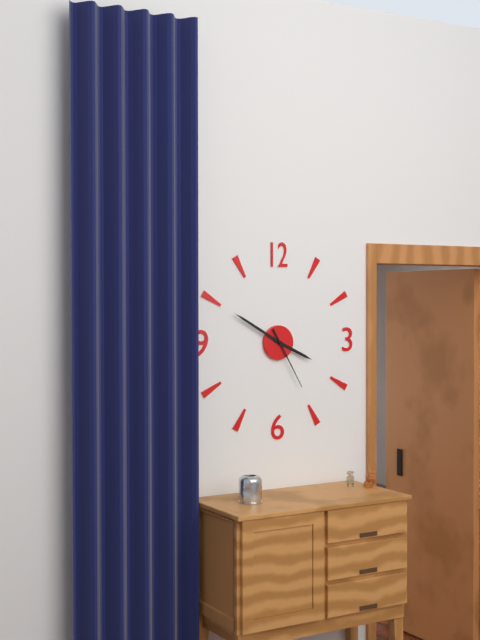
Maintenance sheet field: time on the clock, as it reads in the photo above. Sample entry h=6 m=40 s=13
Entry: h=3 m=50 s=25
